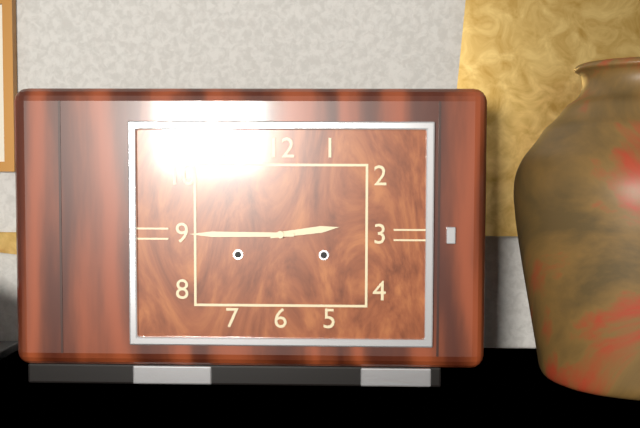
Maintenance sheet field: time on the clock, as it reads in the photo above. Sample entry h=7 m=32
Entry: h=2 m=45
